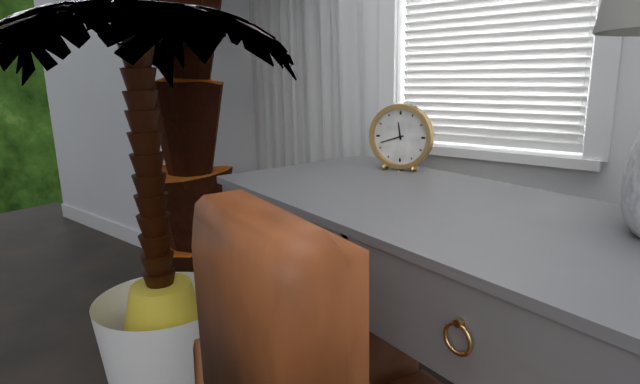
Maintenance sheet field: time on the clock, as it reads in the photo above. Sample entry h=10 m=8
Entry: h=11 m=42
